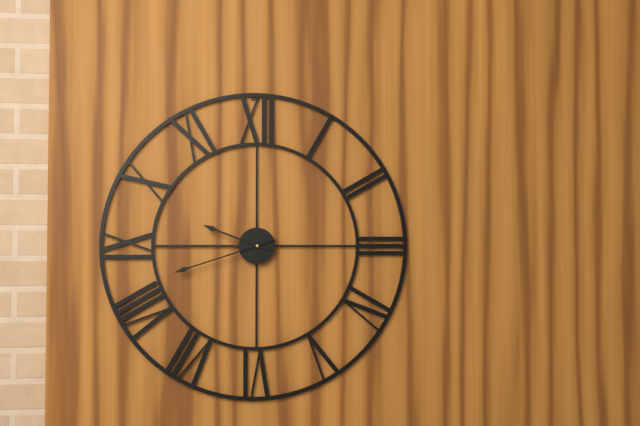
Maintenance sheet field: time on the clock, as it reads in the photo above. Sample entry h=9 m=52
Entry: h=9 m=42
